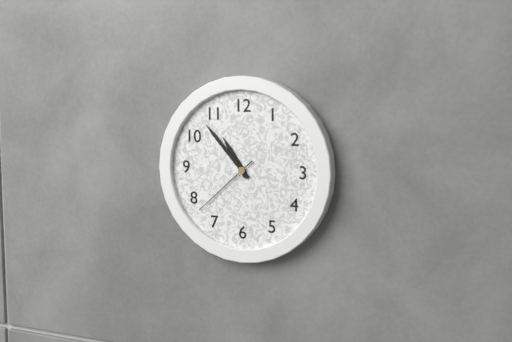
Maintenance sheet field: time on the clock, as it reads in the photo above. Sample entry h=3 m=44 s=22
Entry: h=10 m=53 s=38
